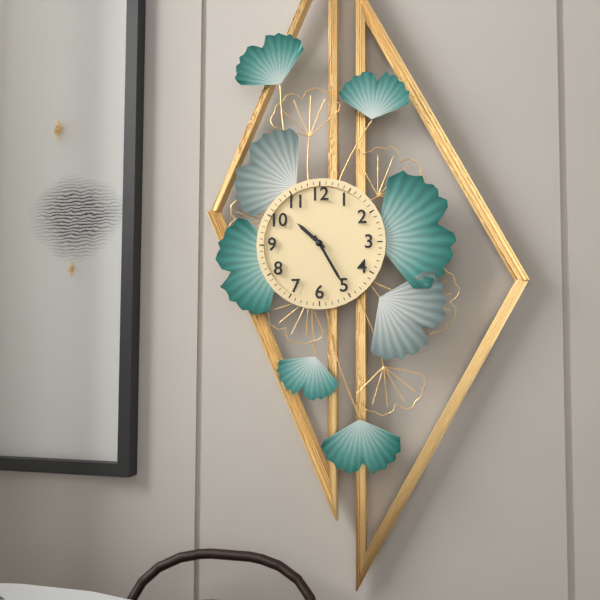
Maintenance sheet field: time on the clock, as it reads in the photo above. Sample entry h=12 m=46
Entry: h=10 m=25
